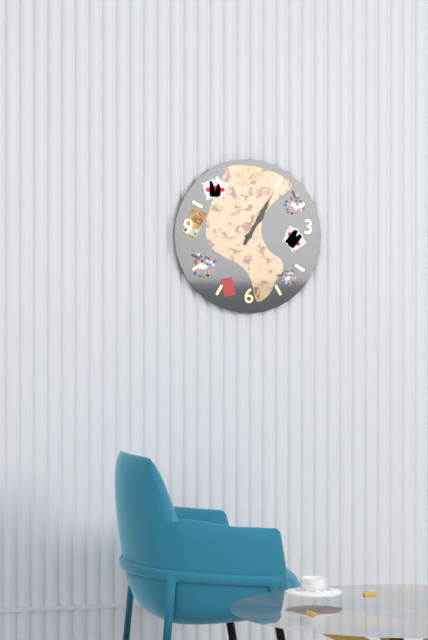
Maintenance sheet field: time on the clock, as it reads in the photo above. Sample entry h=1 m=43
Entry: h=1 m=5
